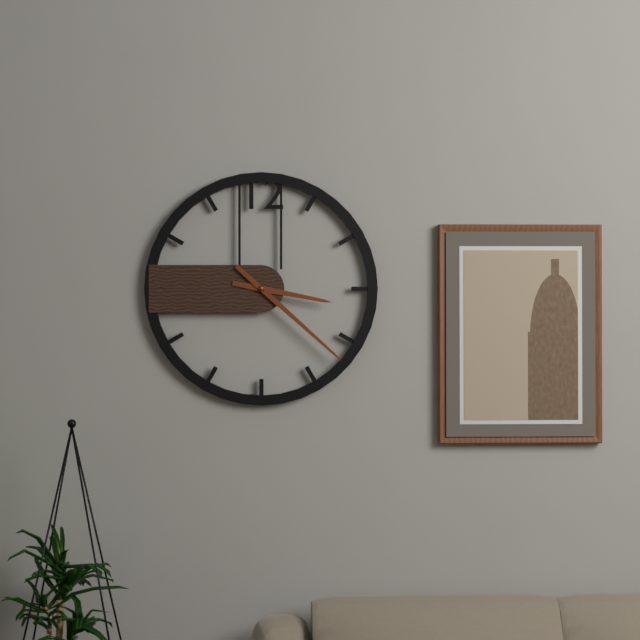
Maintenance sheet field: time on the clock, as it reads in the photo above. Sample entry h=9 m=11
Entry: h=3 m=22
